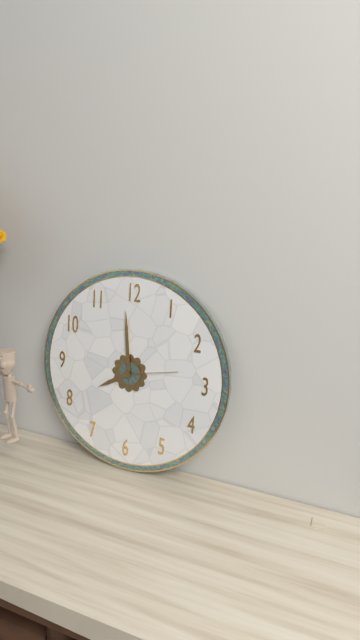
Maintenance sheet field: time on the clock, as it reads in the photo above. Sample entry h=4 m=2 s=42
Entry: h=7 m=59 s=13
